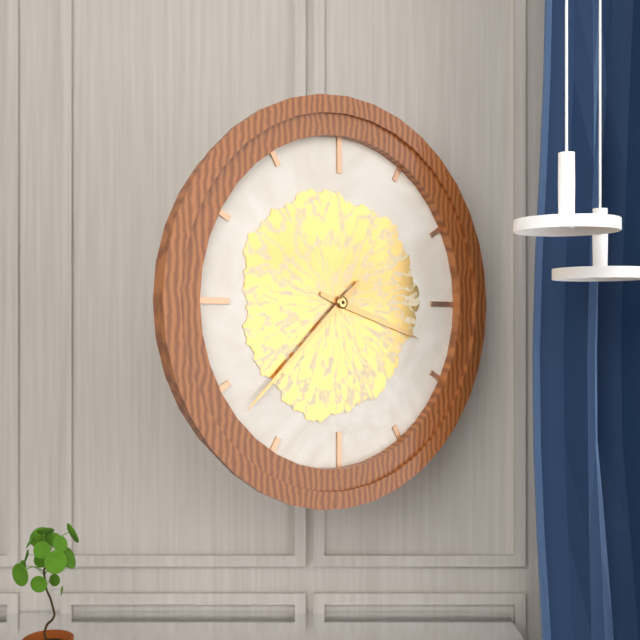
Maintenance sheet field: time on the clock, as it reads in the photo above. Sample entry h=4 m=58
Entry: h=3 m=38
